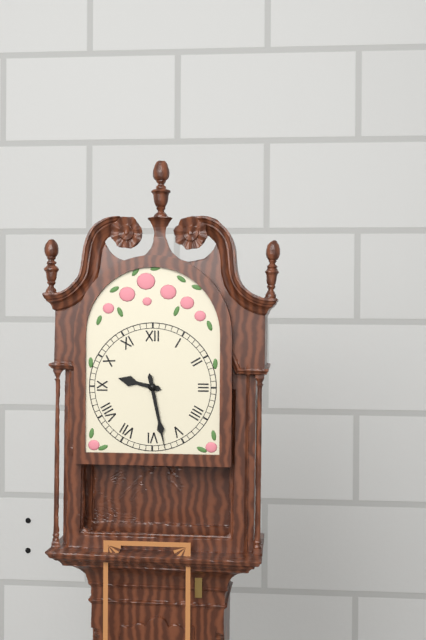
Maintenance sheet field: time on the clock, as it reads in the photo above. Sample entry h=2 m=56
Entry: h=9 m=28
